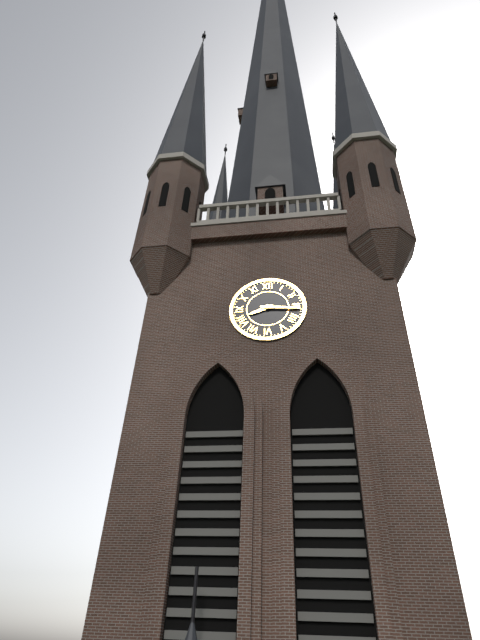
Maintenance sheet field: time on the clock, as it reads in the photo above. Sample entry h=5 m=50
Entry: h=8 m=16
